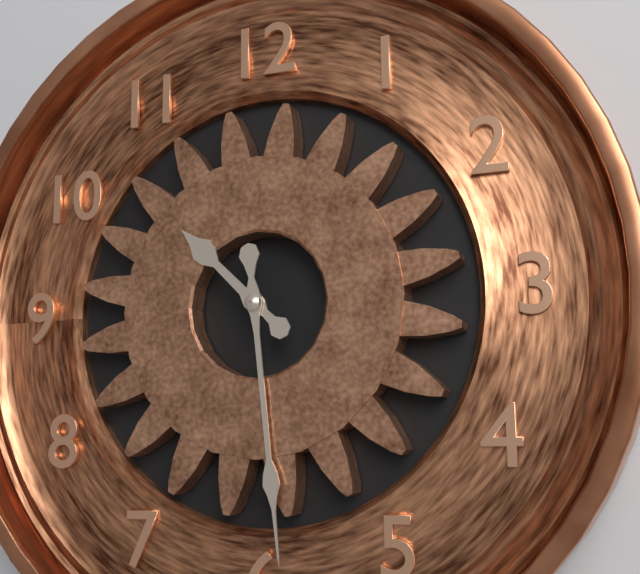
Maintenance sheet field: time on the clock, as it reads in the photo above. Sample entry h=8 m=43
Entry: h=10 m=29
